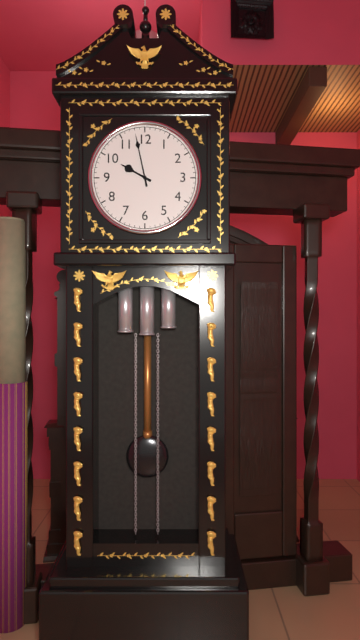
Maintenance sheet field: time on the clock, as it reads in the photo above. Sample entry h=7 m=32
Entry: h=9 m=58
